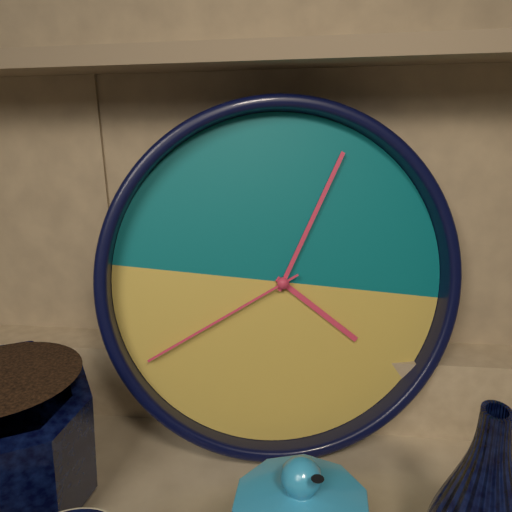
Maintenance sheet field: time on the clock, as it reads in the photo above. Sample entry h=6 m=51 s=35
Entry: h=4 m=3 s=39
